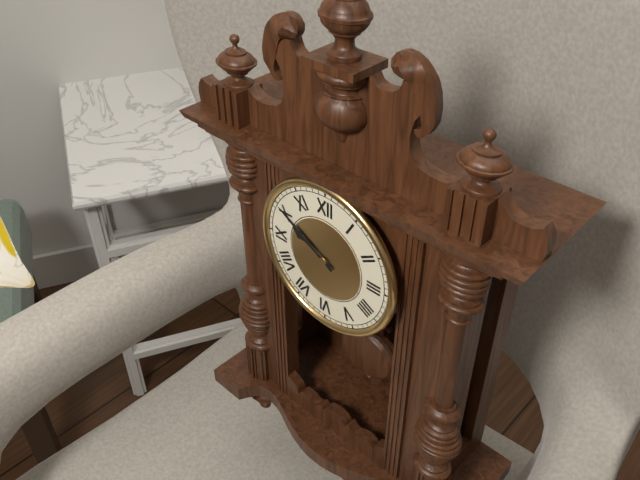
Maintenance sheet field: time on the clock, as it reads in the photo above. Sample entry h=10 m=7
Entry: h=9 m=50
